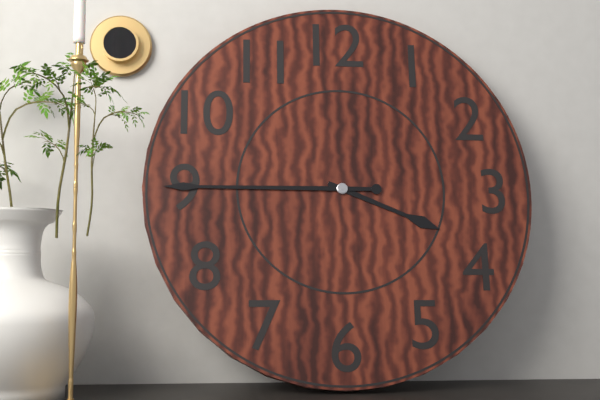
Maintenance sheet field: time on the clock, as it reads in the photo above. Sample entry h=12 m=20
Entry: h=3 m=45
